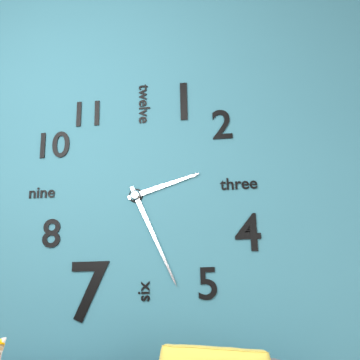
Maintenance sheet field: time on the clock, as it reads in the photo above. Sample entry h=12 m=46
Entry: h=2 m=26
